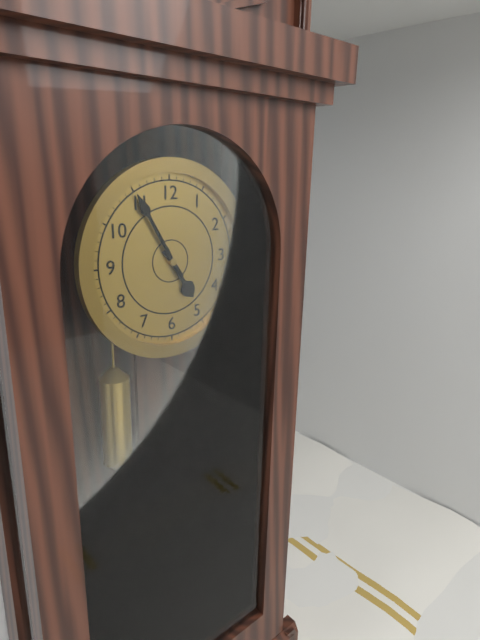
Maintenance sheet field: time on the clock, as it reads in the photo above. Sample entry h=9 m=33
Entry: h=4 m=55
